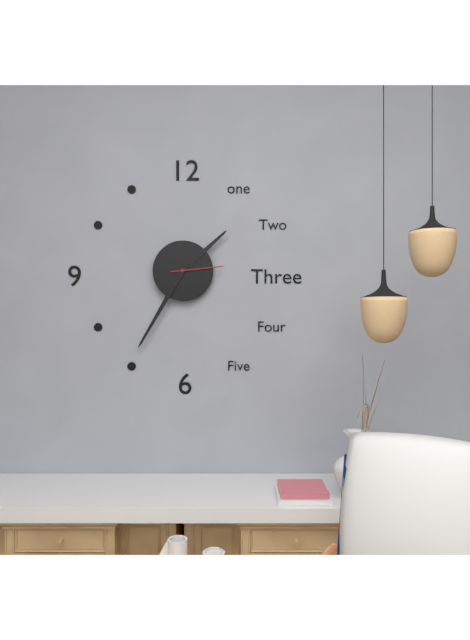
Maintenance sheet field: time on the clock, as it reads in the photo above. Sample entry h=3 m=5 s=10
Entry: h=1 m=35 s=14
